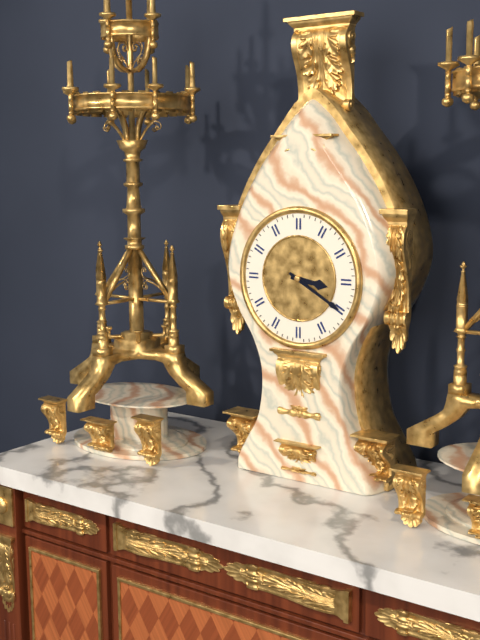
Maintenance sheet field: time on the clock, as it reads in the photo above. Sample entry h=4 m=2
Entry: h=3 m=20
